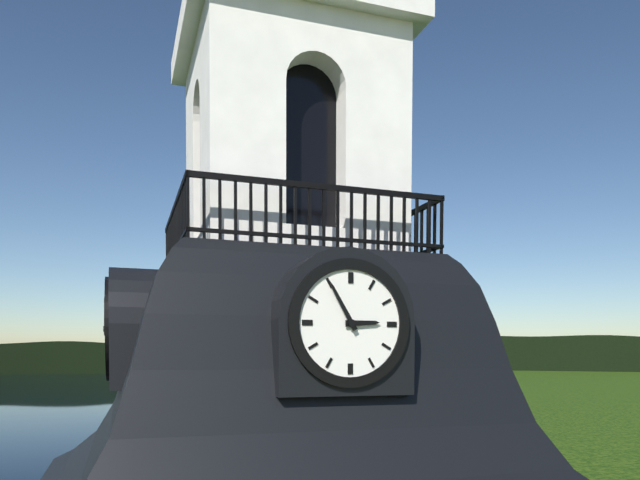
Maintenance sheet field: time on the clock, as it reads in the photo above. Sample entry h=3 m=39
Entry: h=2 m=55
